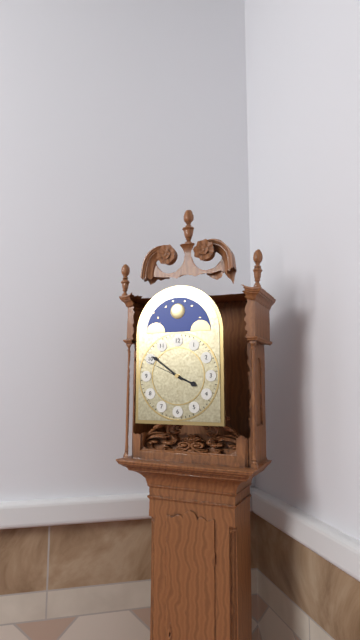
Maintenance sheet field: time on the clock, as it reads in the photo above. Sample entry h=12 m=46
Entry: h=3 m=51
